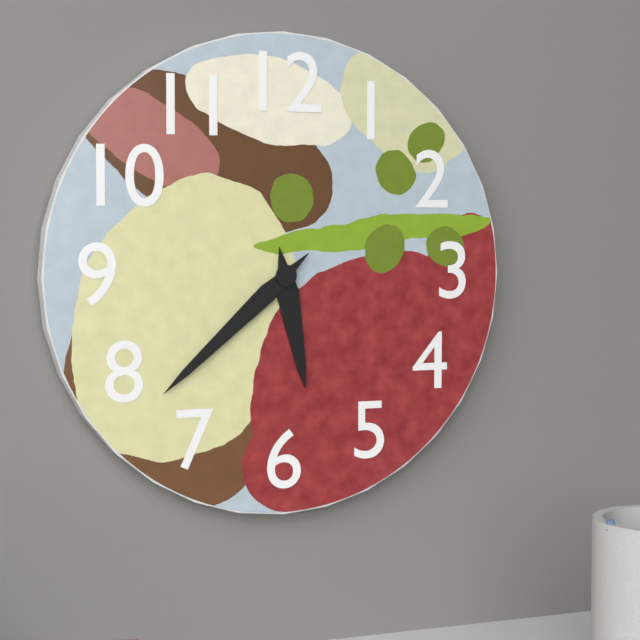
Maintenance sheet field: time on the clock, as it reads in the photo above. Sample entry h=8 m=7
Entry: h=5 m=38
